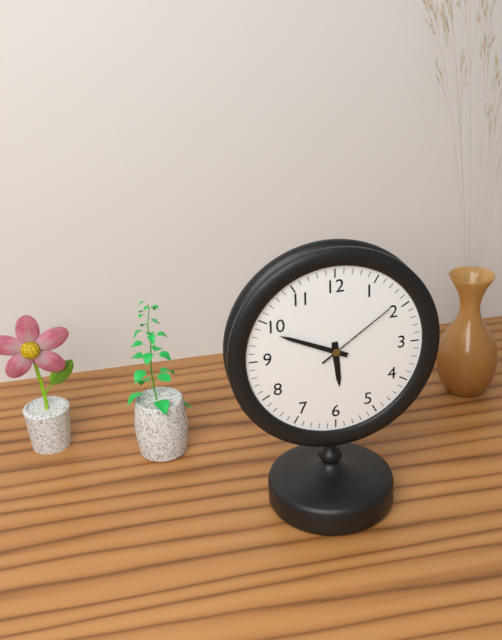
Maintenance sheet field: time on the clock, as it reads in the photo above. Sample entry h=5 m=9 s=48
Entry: h=5 m=49 s=9
